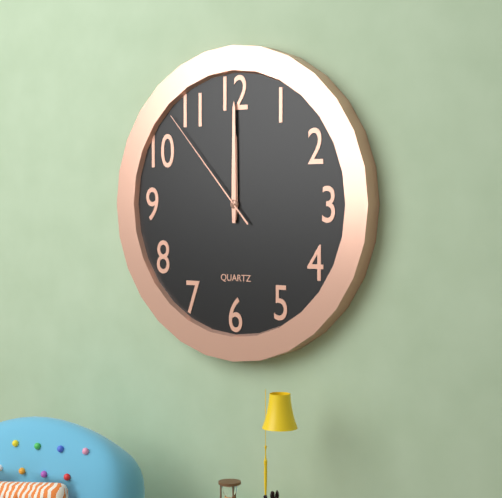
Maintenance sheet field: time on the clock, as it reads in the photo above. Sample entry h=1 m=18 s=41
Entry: h=12 m=0 s=53
